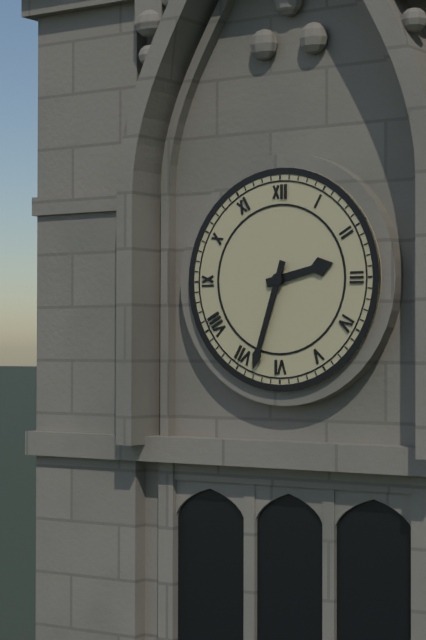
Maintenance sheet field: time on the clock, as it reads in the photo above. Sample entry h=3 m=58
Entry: h=2 m=33
